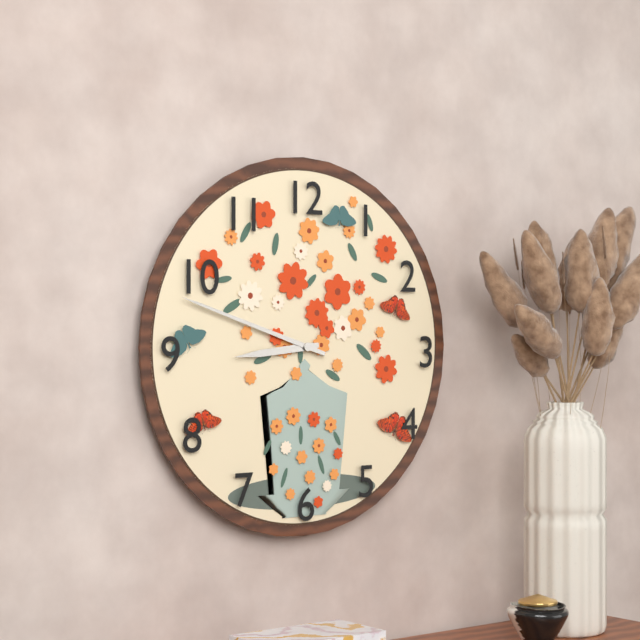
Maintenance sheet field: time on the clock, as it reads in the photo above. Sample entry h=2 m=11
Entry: h=8 m=48
